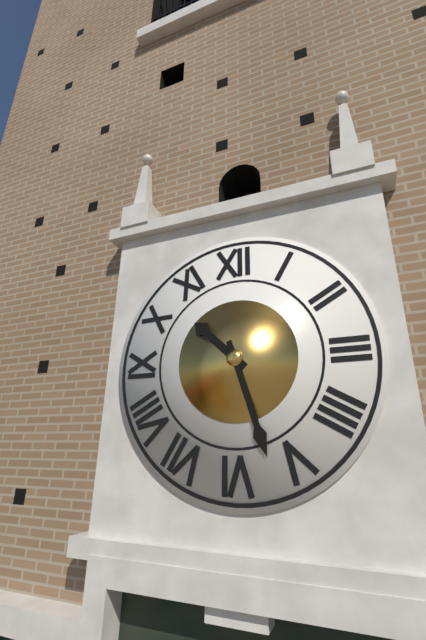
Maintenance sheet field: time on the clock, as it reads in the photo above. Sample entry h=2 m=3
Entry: h=10 m=27
